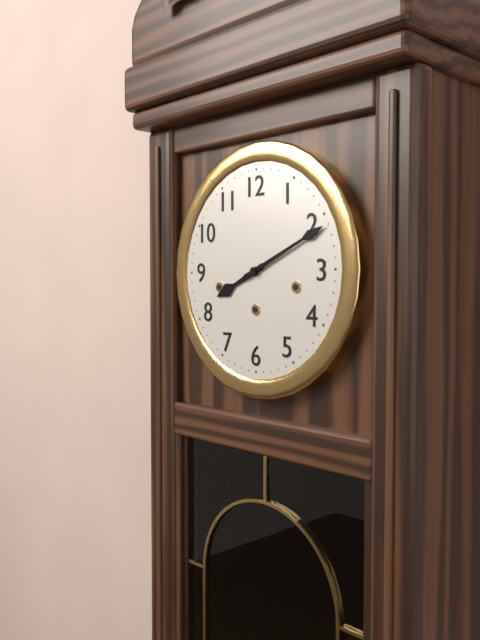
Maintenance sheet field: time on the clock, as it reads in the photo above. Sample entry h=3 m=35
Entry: h=8 m=11
